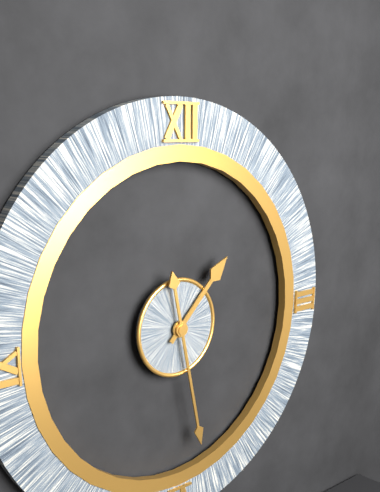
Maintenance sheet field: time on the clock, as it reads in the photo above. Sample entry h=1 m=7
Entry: h=1 m=28
